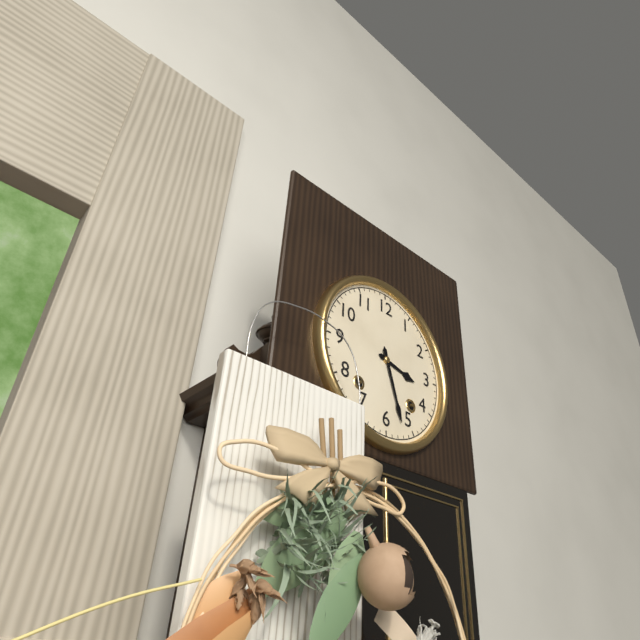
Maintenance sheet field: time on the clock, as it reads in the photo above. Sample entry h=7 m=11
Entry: h=3 m=27
